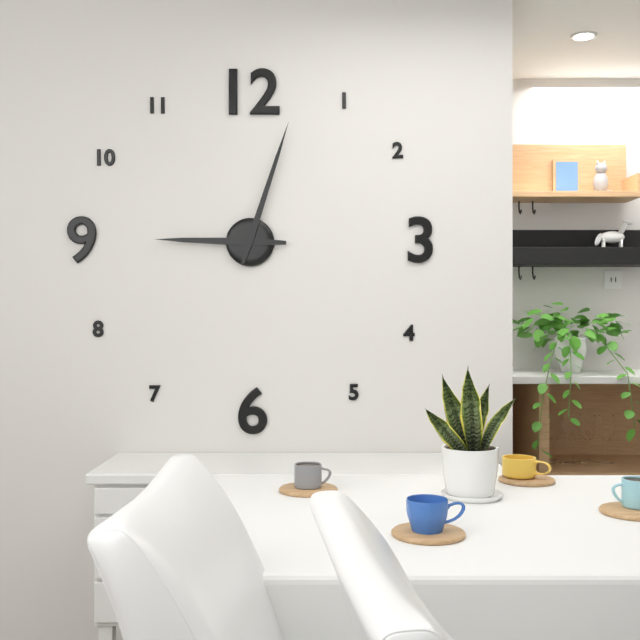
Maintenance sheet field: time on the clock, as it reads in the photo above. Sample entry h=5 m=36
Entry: h=9 m=3
